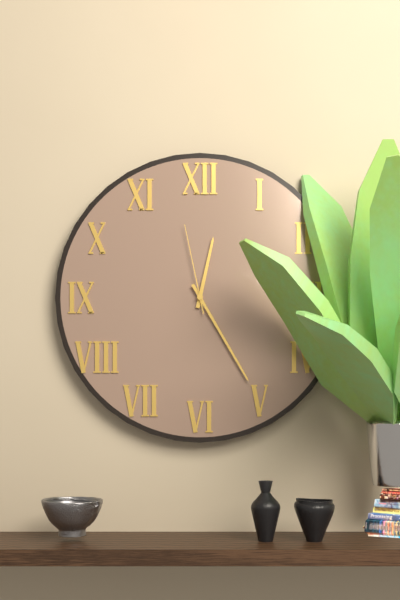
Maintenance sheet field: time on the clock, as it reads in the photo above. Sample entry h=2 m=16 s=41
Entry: h=12 m=25 s=58
